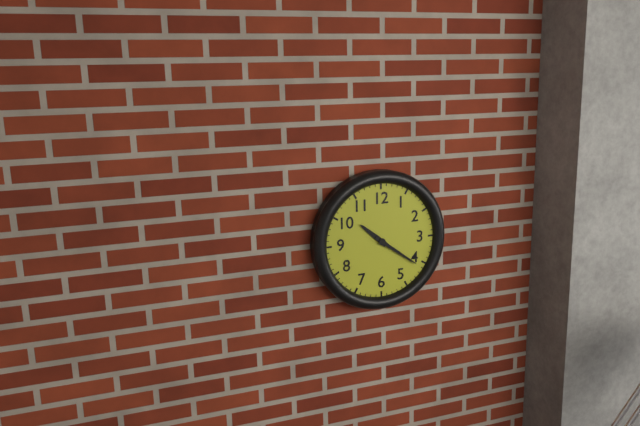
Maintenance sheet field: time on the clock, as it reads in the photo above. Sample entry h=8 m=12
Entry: h=10 m=21
